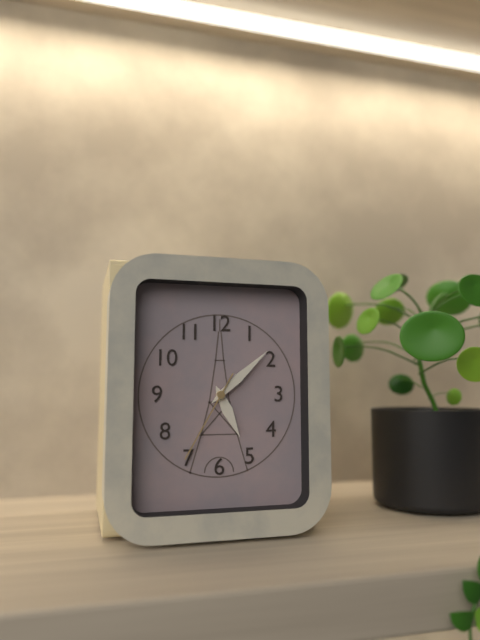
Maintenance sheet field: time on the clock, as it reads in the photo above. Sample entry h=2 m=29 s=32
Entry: h=5 m=8 s=35
